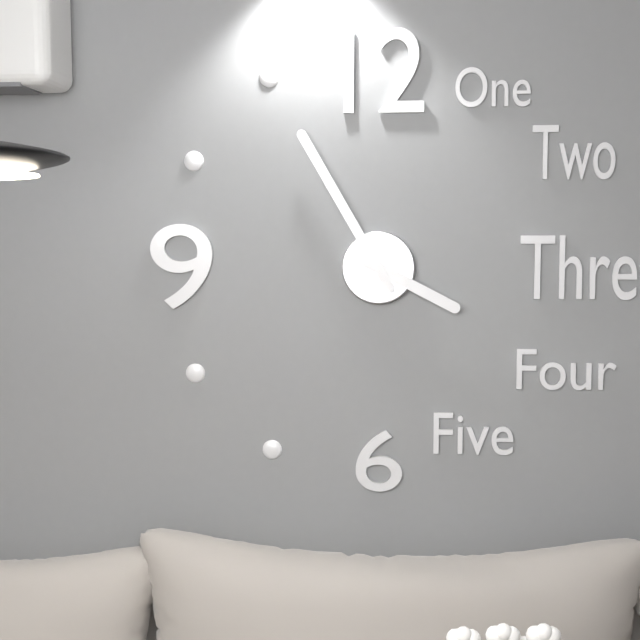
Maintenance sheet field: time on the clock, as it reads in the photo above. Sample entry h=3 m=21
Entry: h=3 m=55
